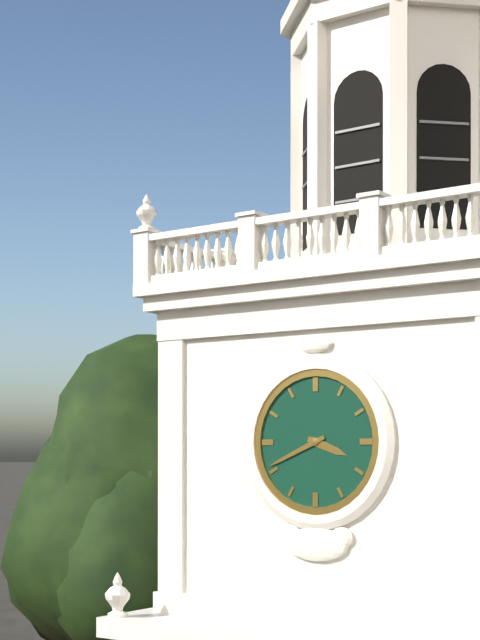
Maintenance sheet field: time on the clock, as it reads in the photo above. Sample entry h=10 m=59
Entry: h=3 m=41
